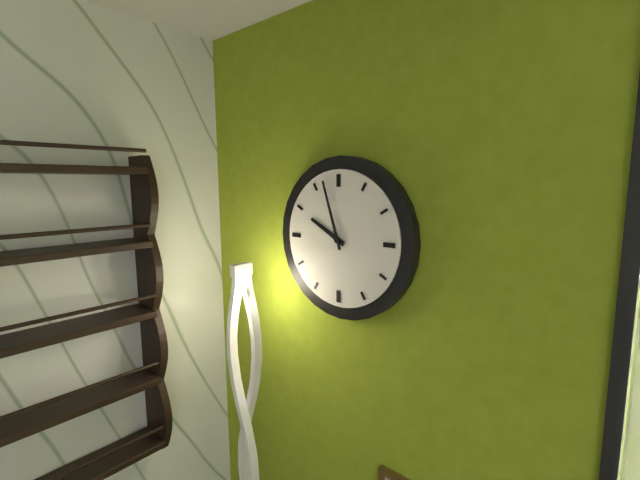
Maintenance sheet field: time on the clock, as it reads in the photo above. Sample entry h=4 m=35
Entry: h=9 m=57
